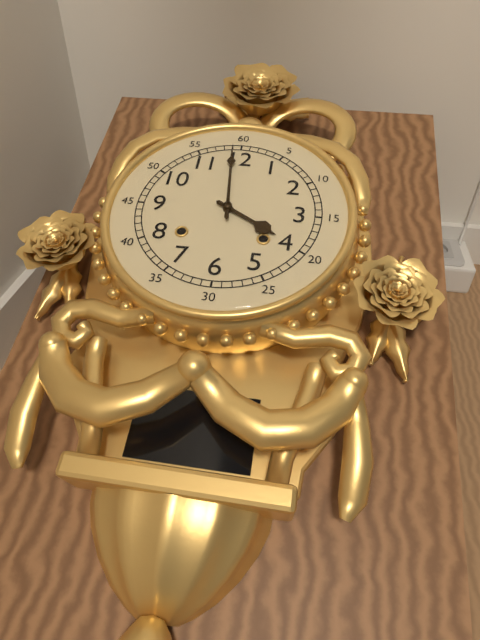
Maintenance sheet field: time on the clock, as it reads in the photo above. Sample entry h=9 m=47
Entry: h=3 m=59
